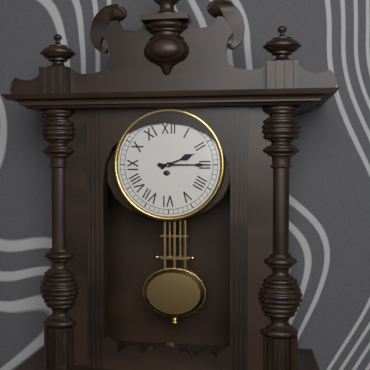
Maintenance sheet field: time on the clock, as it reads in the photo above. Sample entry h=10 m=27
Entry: h=2 m=15
